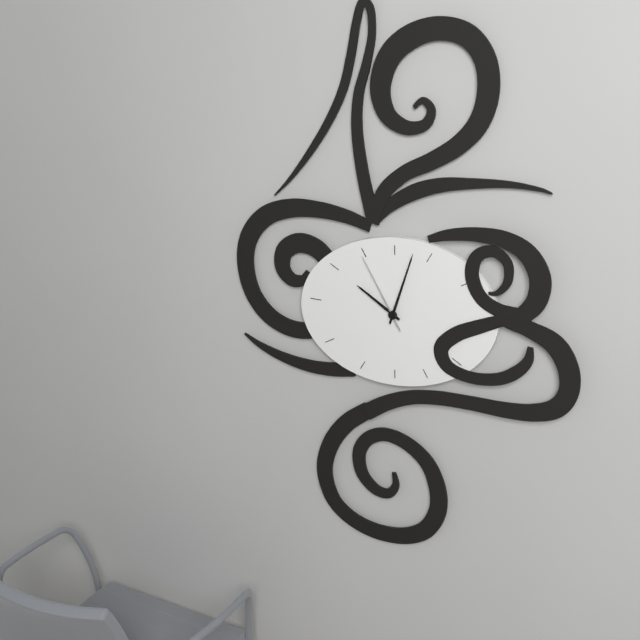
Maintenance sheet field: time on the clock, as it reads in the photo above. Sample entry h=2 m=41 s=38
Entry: h=10 m=3 s=55
